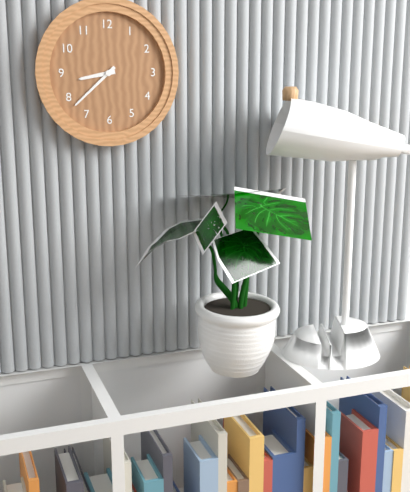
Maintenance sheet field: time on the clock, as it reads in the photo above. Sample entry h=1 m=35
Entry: h=8 m=38
